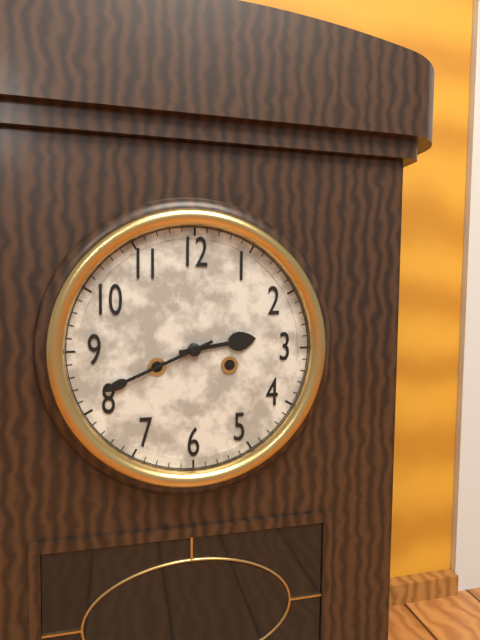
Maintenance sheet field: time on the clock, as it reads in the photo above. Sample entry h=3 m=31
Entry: h=2 m=41
